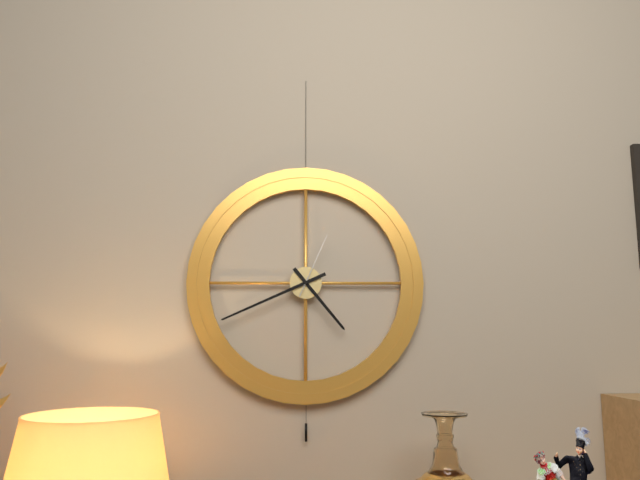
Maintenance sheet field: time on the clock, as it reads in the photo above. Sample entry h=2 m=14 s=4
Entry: h=4 m=41 s=4
